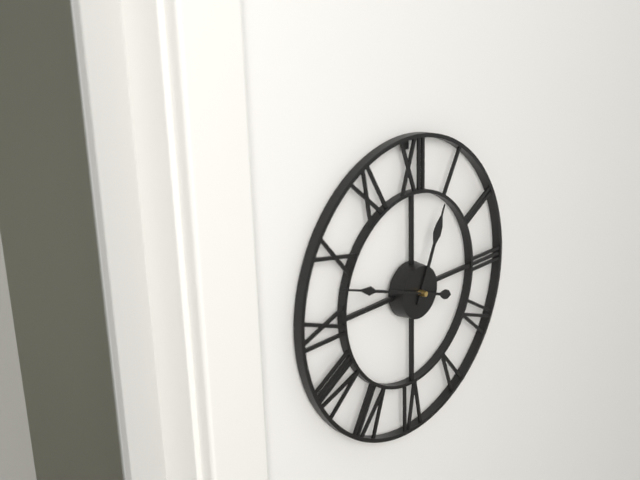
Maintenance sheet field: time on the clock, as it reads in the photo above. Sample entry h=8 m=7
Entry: h=12 m=48
